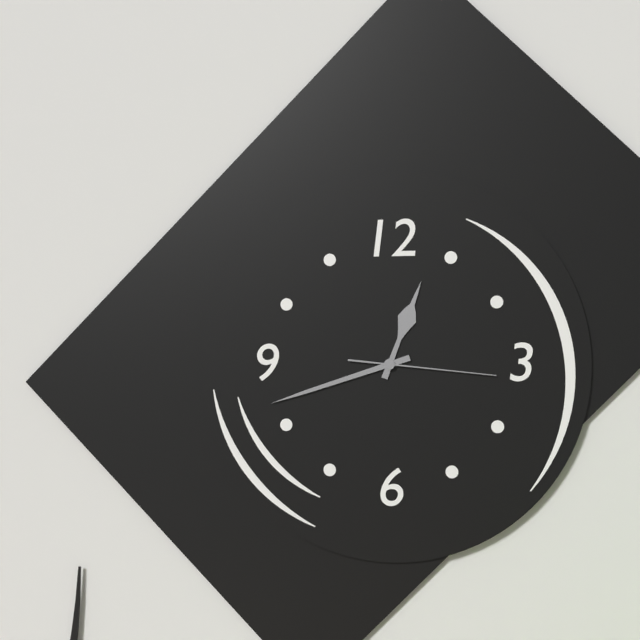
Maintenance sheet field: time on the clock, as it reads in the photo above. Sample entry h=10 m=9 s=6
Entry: h=12 m=42 s=16
